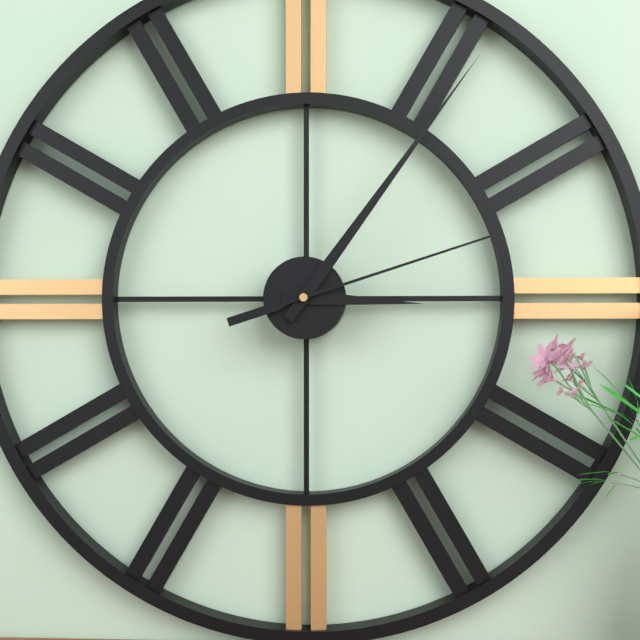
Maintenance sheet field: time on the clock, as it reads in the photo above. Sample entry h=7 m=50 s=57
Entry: h=3 m=6 s=12
